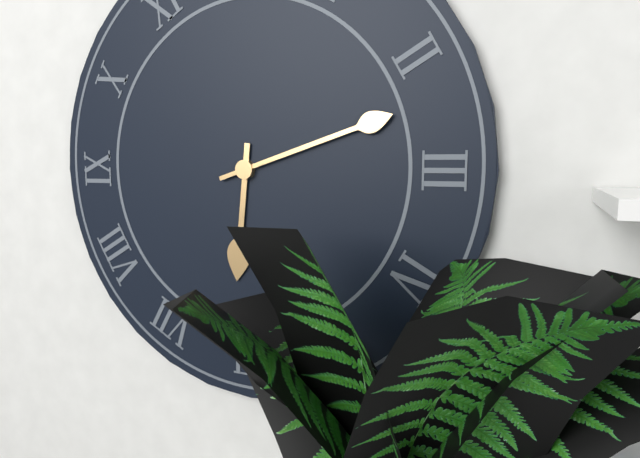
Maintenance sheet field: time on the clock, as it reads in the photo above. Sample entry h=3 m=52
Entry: h=6 m=12
